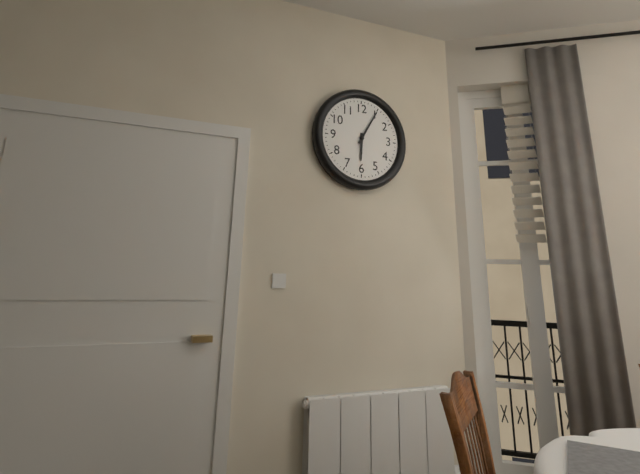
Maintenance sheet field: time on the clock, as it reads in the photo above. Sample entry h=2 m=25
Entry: h=6 m=5
